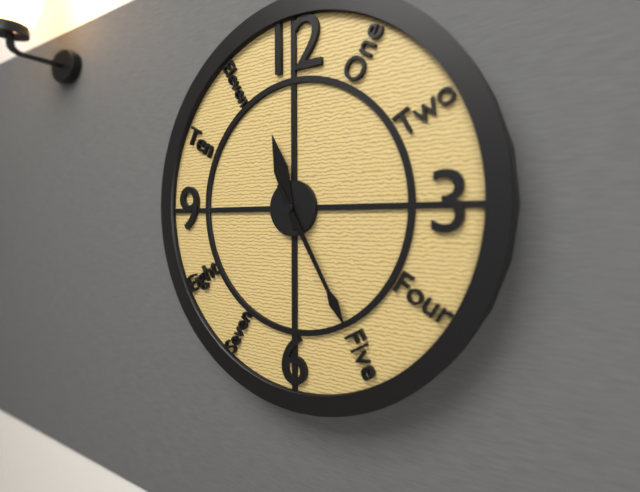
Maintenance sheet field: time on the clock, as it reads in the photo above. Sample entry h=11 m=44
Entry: h=11 m=25
